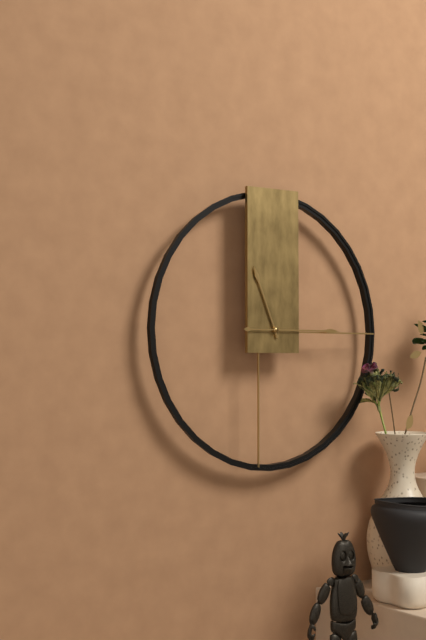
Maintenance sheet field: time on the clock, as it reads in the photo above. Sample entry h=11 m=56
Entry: h=11 m=15
